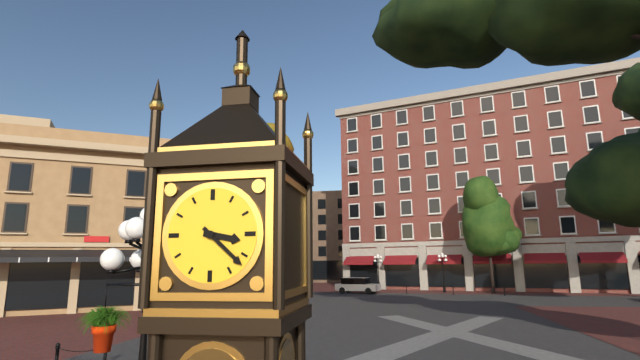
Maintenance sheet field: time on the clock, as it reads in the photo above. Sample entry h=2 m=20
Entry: h=3 m=22
